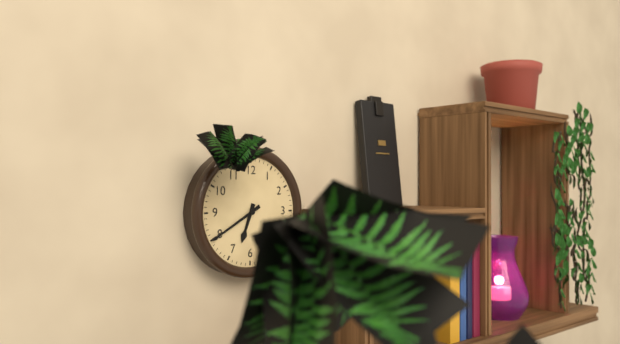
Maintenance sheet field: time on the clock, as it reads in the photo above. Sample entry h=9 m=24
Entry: h=6 m=40
